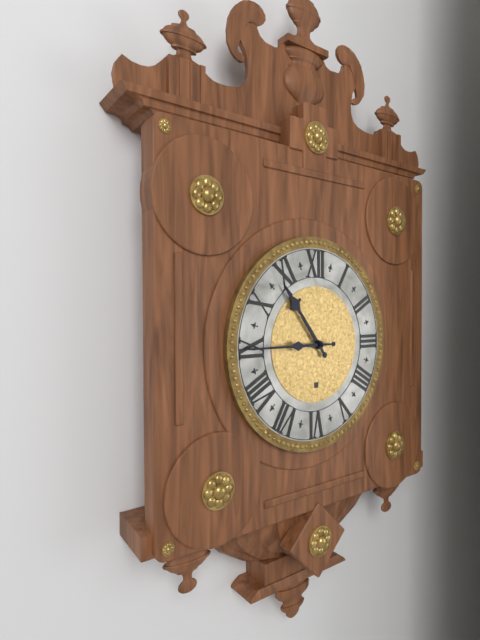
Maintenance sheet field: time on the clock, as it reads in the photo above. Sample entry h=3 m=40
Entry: h=10 m=45
